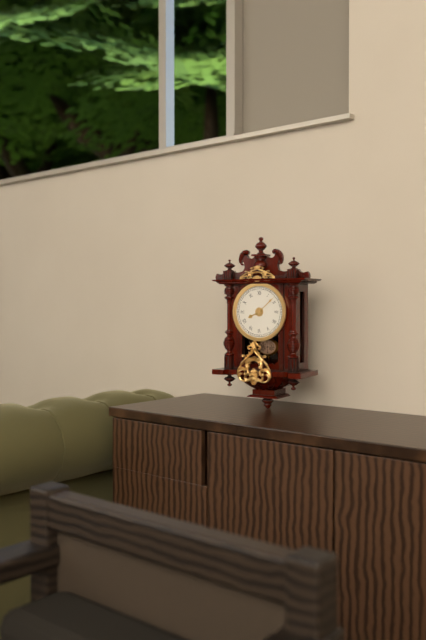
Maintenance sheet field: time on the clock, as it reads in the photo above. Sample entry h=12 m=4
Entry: h=8 m=8
